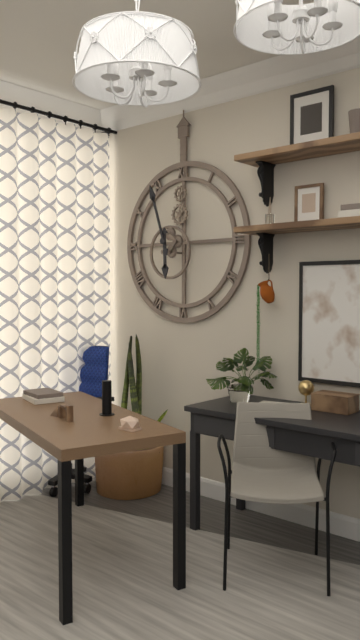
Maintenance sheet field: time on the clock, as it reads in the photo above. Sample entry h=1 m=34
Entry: h=5 m=57
